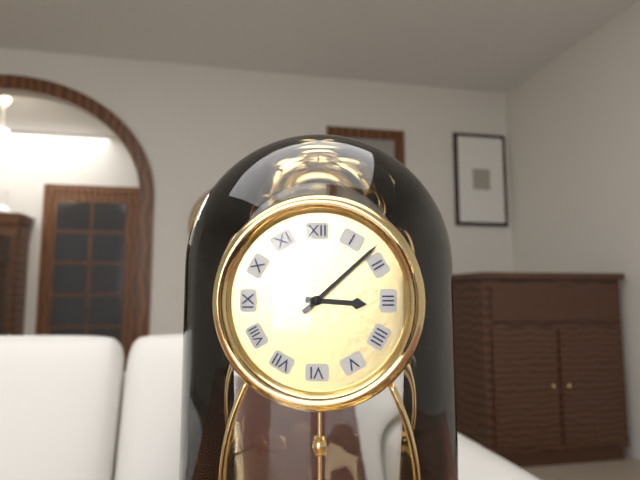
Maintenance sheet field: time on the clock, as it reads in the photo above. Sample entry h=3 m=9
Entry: h=3 m=8
